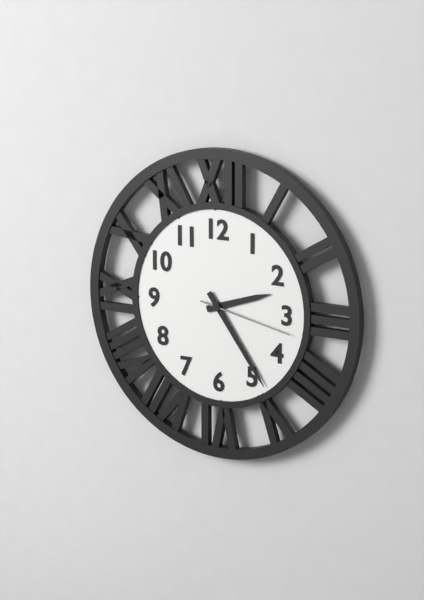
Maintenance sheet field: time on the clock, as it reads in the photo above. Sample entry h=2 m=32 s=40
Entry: h=2 m=24 s=17
